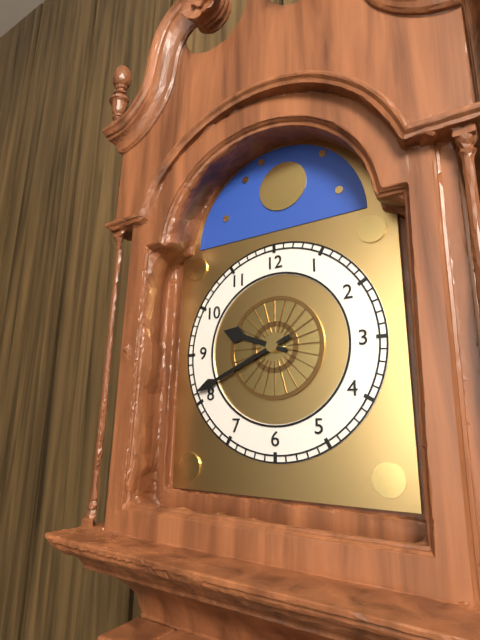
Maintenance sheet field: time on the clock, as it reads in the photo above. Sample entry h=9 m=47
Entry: h=9 m=41
